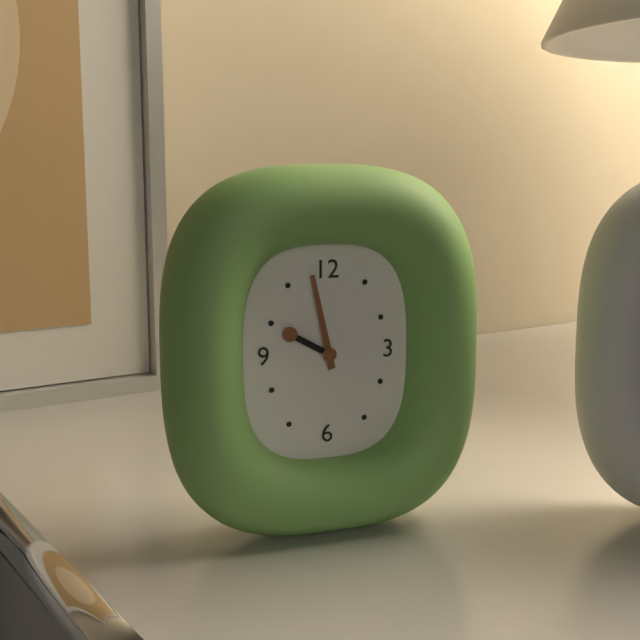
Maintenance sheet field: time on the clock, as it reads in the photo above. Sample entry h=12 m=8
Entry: h=9 m=58
